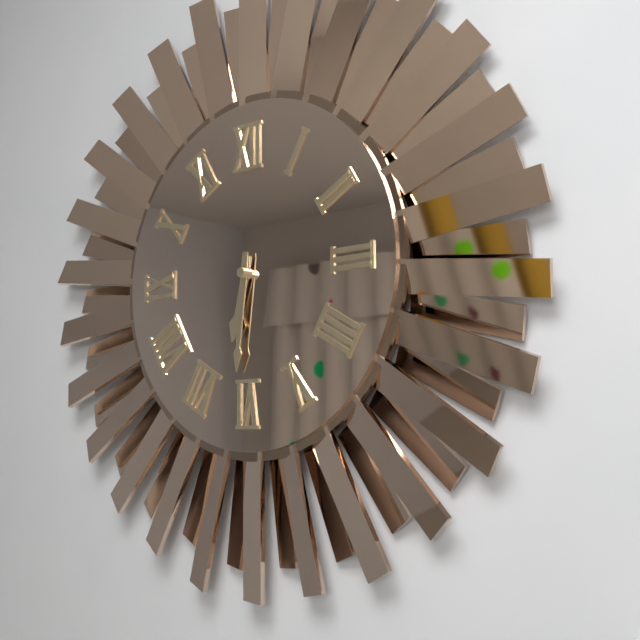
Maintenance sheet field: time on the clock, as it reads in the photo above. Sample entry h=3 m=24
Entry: h=6 m=31
